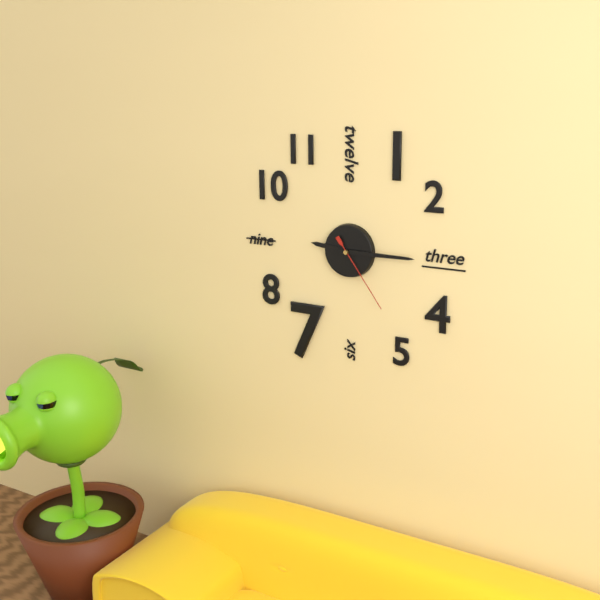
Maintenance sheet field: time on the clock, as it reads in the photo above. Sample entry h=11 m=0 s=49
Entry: h=9 m=15 s=24
